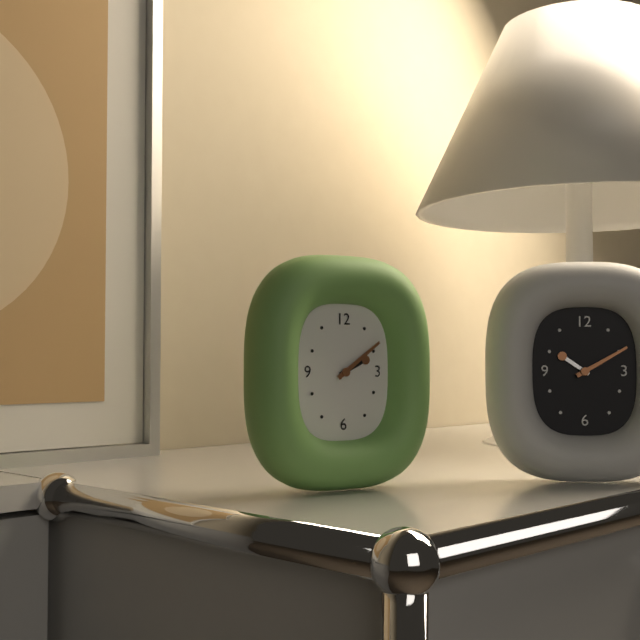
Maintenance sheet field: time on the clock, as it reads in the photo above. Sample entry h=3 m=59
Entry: h=2 m=9
